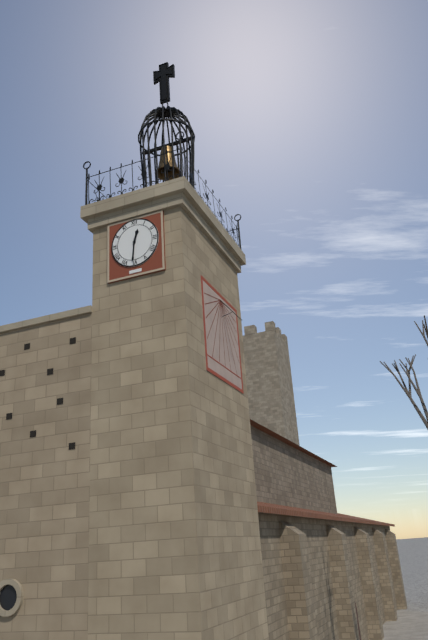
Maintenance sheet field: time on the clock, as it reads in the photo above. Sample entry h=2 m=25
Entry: h=12 m=31
